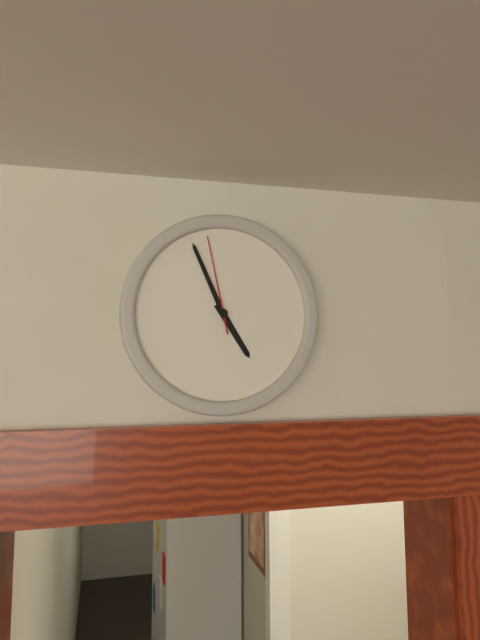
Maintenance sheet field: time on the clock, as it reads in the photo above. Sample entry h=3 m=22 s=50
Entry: h=4 m=56 s=58
